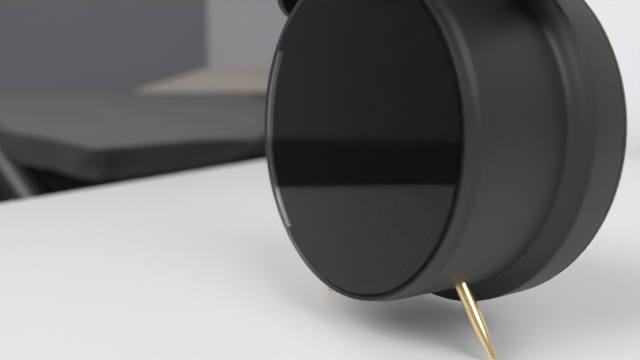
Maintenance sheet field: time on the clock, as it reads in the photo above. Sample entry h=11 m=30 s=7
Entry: h=1 m=46 s=43
